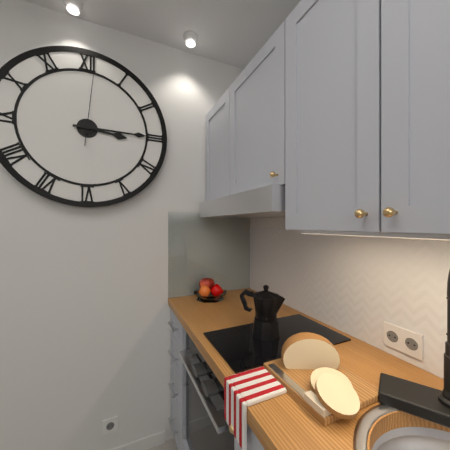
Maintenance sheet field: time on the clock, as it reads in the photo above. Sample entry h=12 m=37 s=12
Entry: h=3 m=15 s=1
